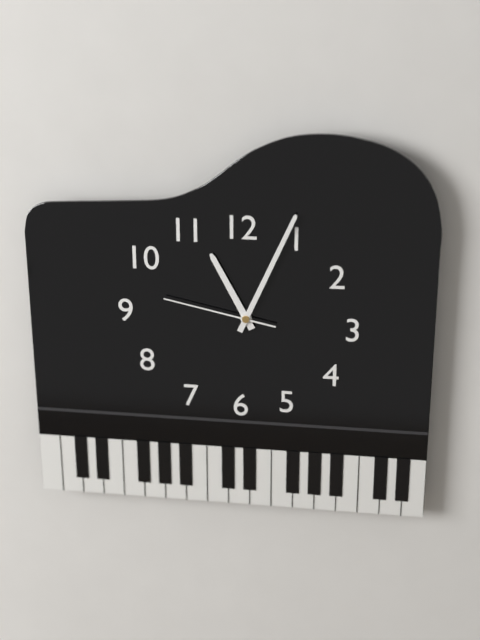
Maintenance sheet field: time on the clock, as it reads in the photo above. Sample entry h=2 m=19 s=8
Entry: h=11 m=4 s=47
